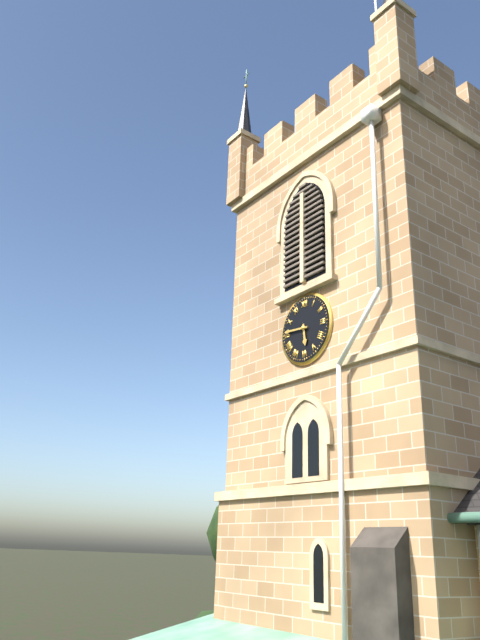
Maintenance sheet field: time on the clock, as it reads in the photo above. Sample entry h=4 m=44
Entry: h=5 m=46
